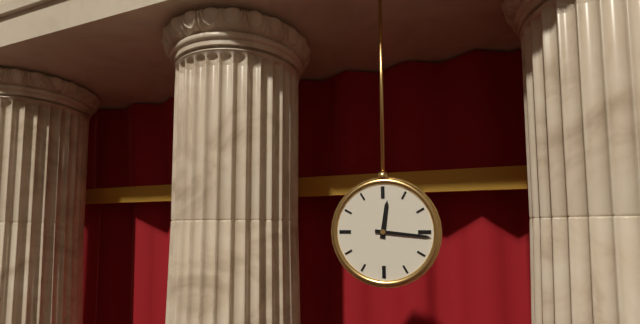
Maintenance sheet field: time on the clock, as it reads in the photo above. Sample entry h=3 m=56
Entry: h=12 m=16
